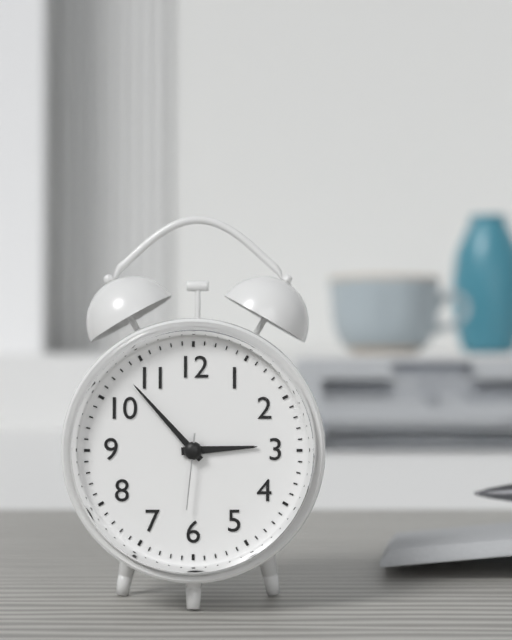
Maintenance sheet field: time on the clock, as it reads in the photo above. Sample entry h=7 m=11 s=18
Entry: h=2 m=53 s=31
